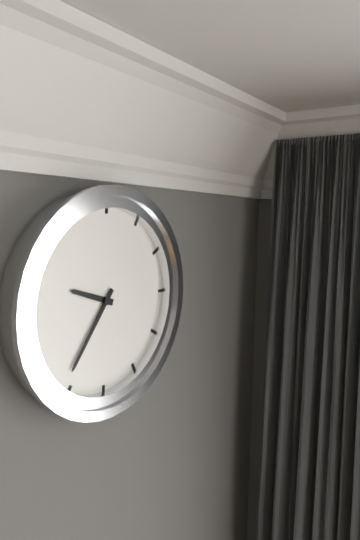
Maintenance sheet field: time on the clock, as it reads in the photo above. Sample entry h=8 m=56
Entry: h=9 m=36
